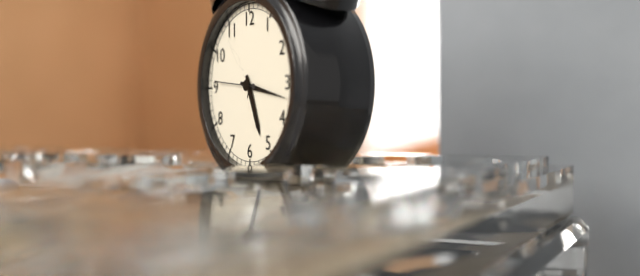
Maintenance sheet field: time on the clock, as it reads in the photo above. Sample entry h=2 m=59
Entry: h=5 m=17
